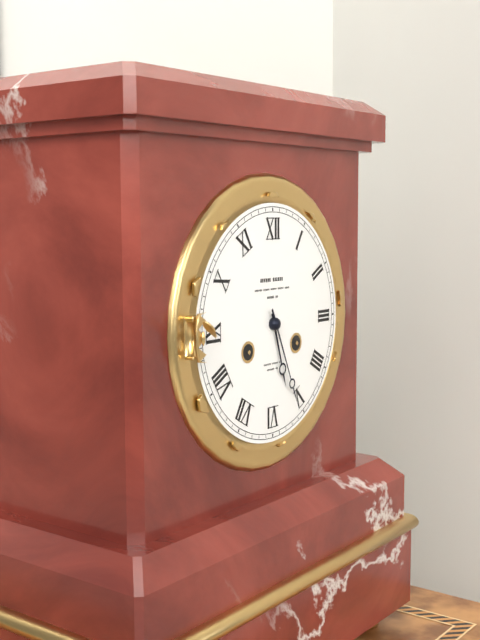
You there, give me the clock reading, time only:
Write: 5:26
